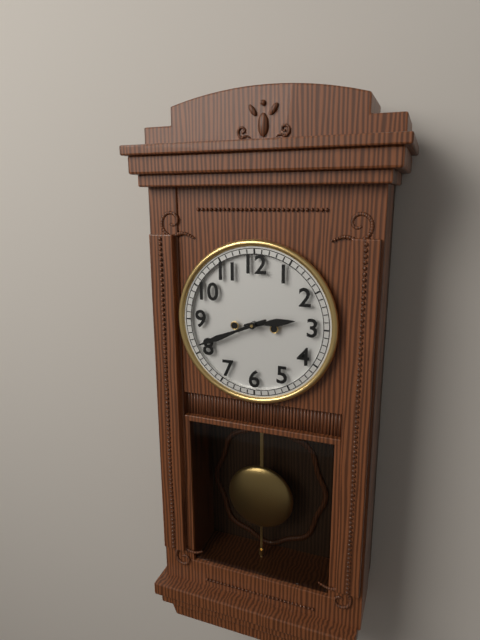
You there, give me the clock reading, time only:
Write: 2:41
